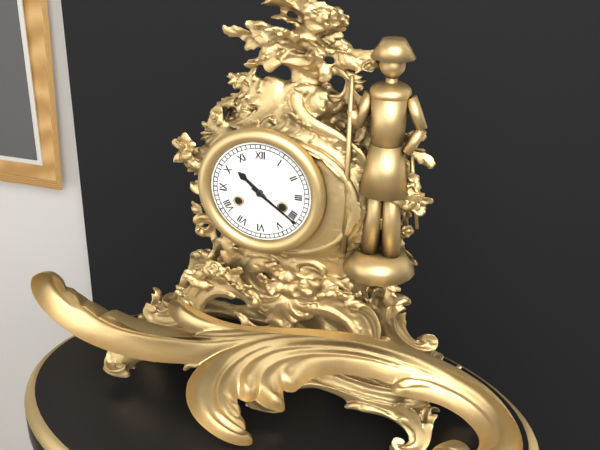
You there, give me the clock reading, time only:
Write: 10:21
